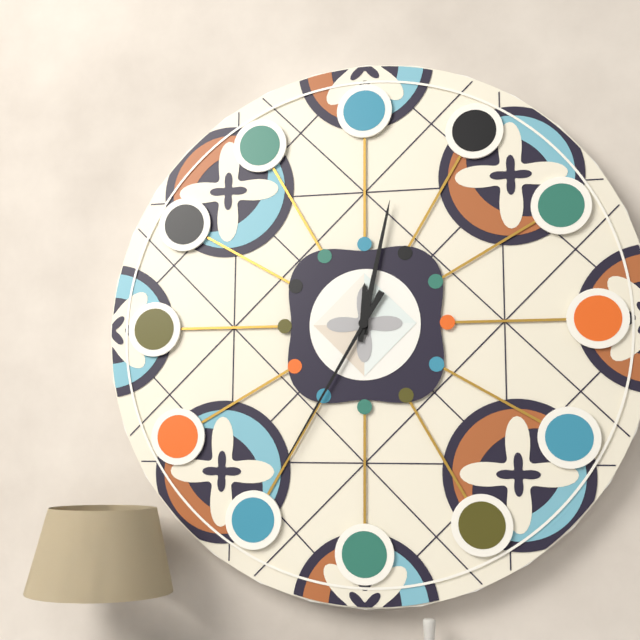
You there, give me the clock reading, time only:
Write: 12:02:35
